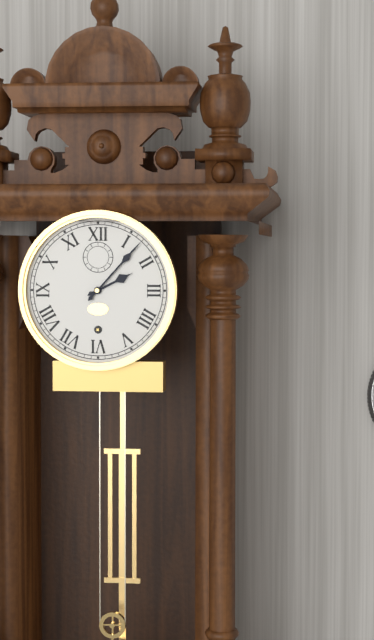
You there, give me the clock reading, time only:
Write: 2:07
